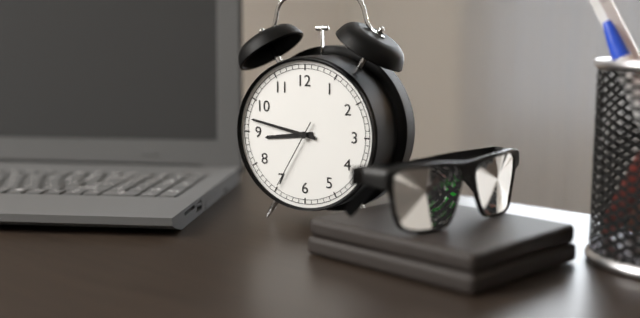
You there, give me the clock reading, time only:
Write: 8:47:35
